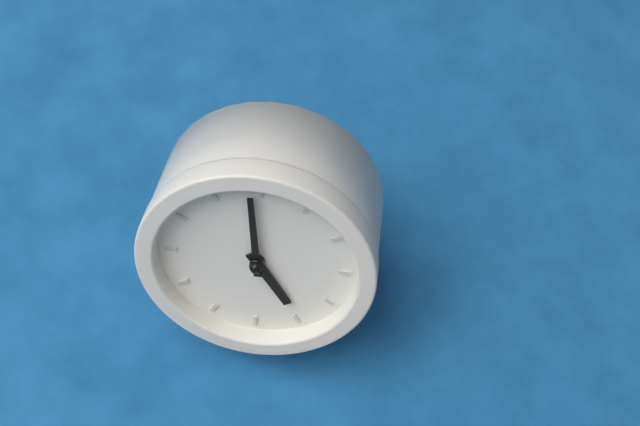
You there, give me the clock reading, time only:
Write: 3:54
